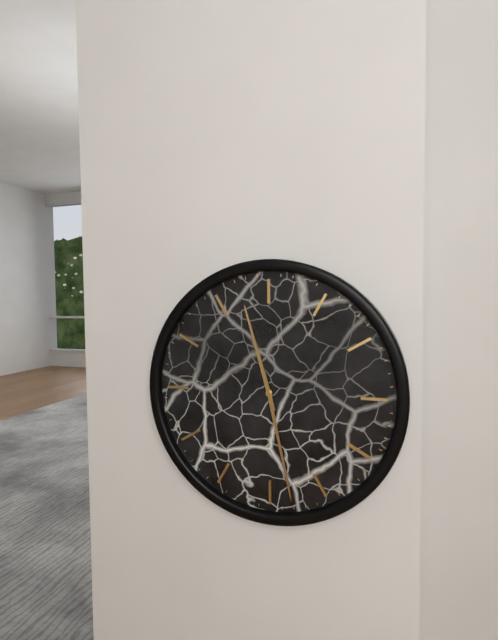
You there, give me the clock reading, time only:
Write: 11:28
